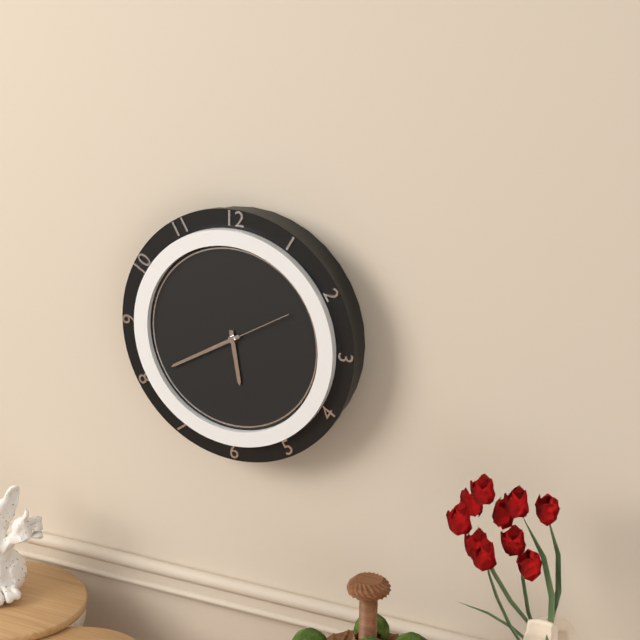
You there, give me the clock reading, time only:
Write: 5:40:10
